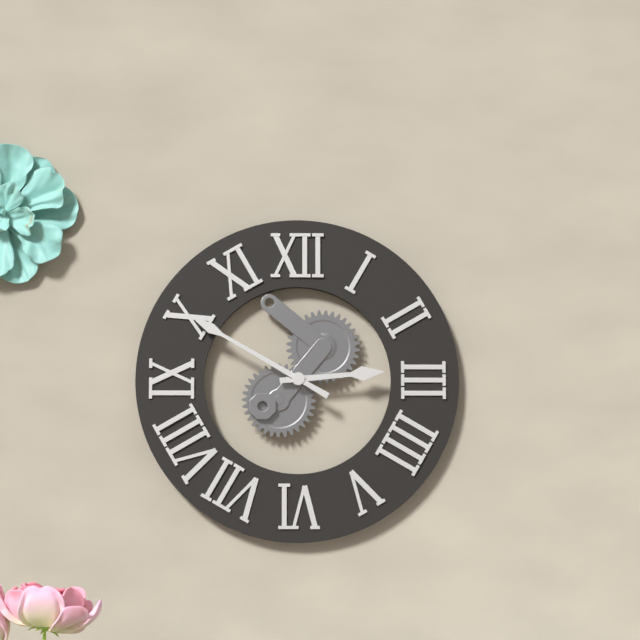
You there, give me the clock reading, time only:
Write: 2:50
